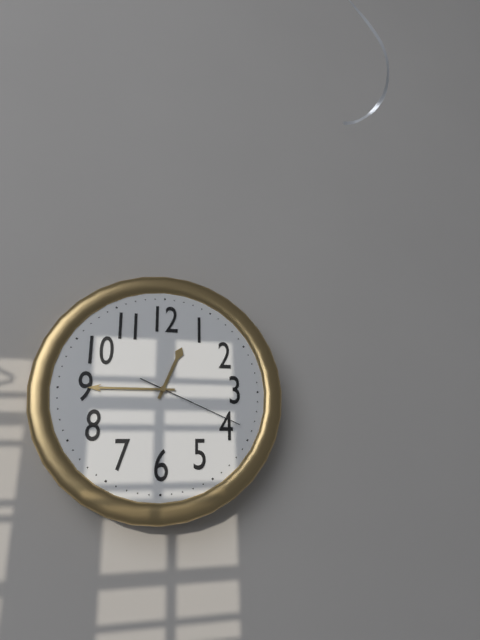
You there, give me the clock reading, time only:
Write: 12:45:19
